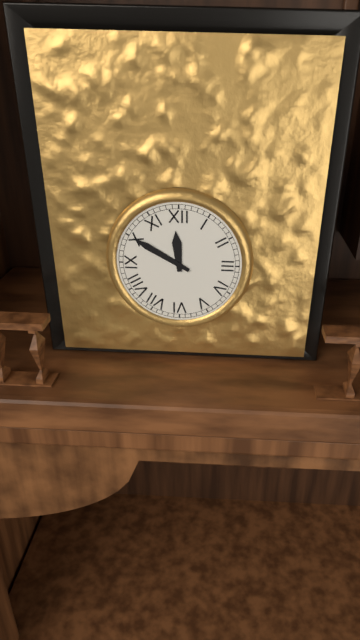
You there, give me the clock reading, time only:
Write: 11:50
